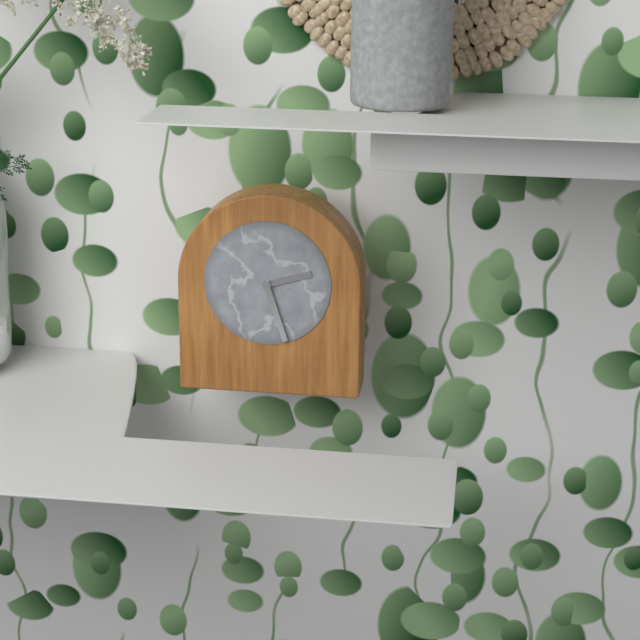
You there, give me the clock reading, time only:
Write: 2:27
